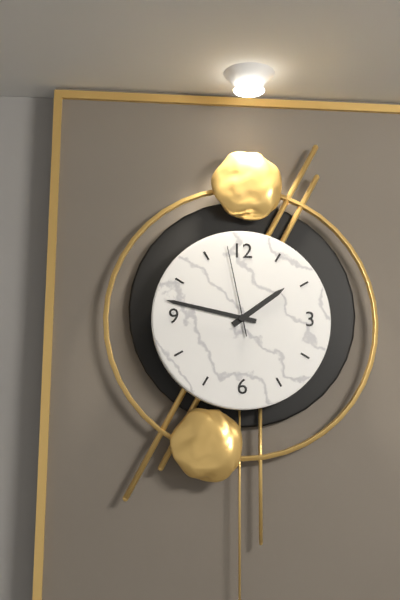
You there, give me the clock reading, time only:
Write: 1:47:58
